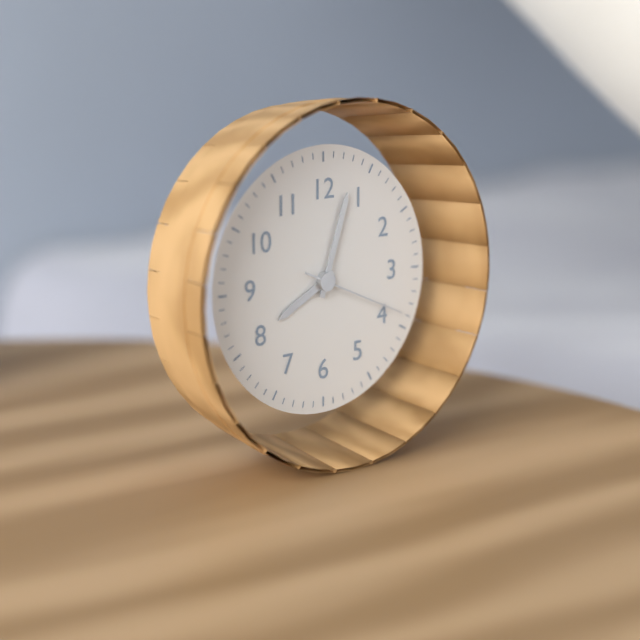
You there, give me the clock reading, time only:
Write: 8:03:19
